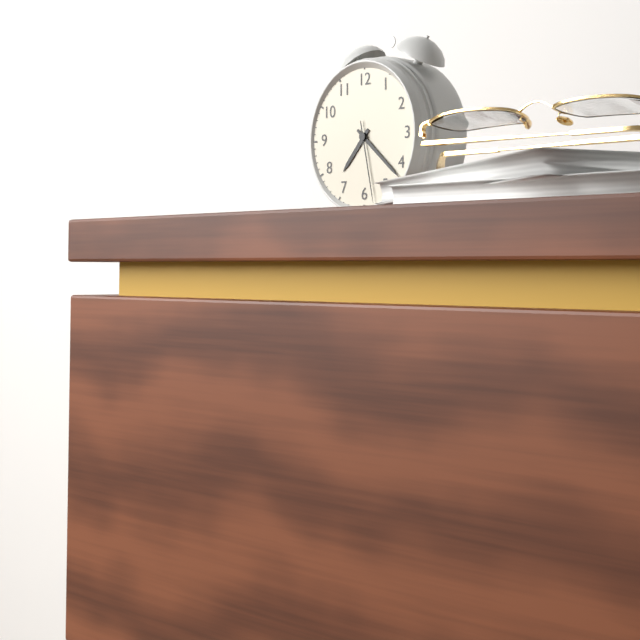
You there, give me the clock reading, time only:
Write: 7:22:28
